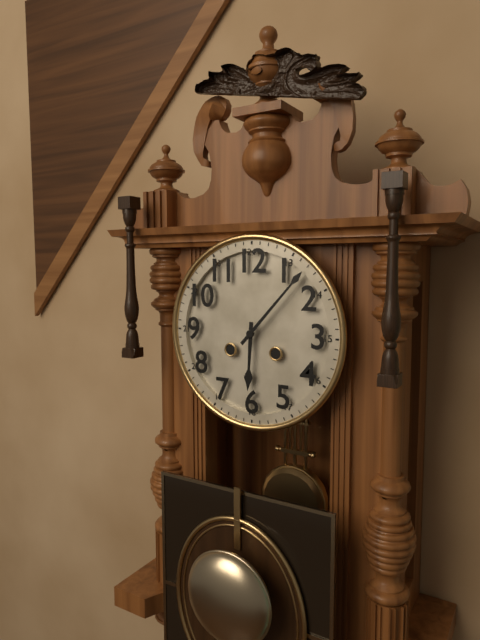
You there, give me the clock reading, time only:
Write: 6:07
